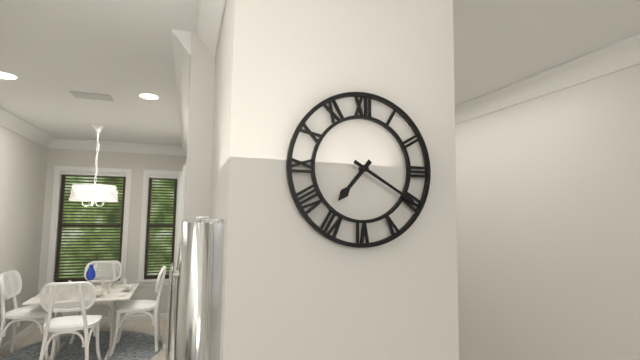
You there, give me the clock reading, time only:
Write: 7:20
